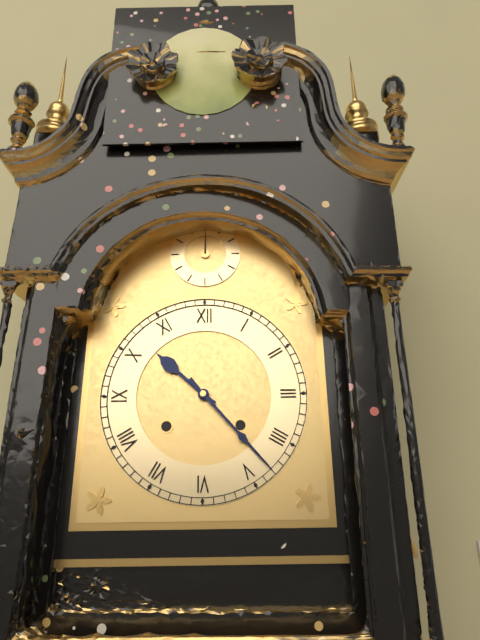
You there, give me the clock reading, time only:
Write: 10:23
